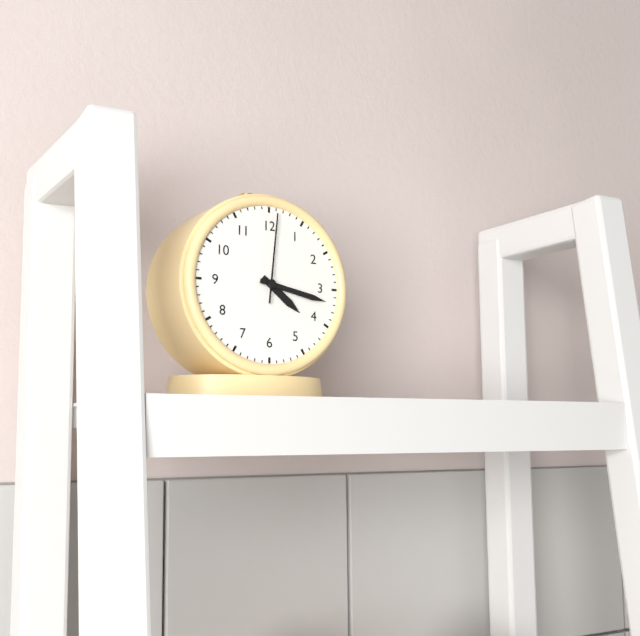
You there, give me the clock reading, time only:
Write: 4:17:01
